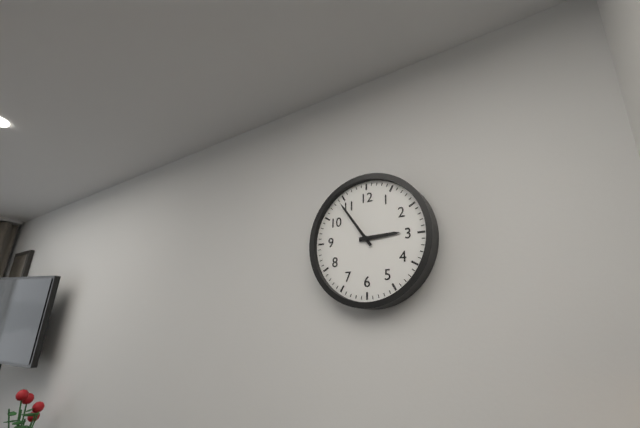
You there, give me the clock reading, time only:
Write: 2:54
